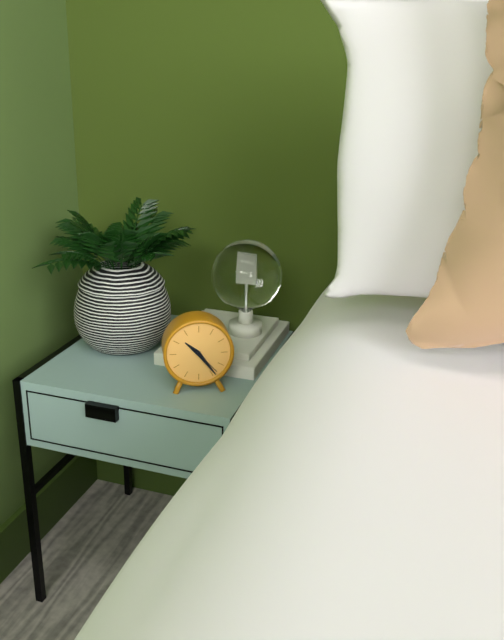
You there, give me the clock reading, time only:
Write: 10:24
